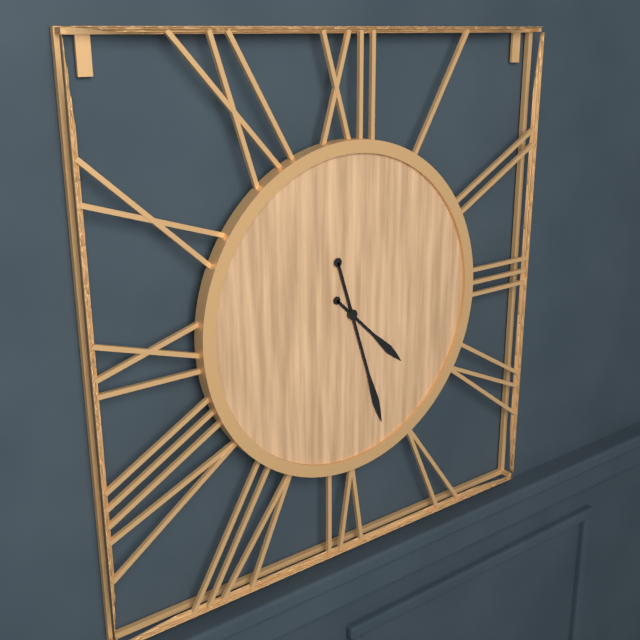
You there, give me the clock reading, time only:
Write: 4:27
